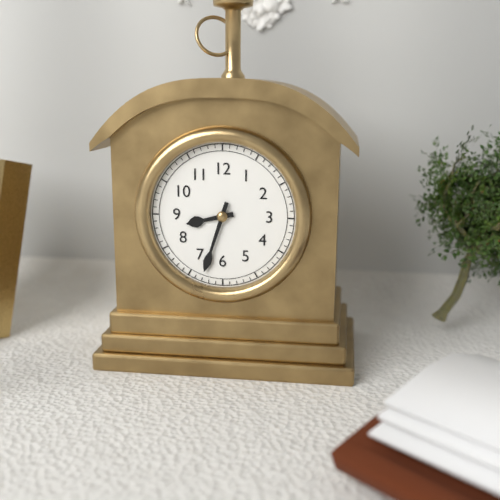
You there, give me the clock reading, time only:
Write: 8:33
